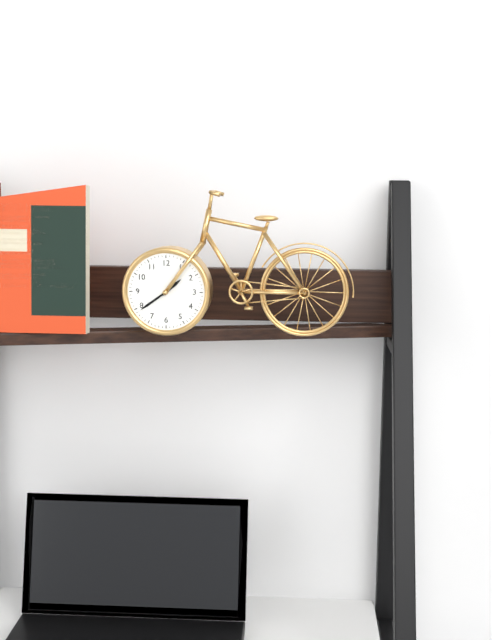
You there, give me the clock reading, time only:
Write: 1:39
